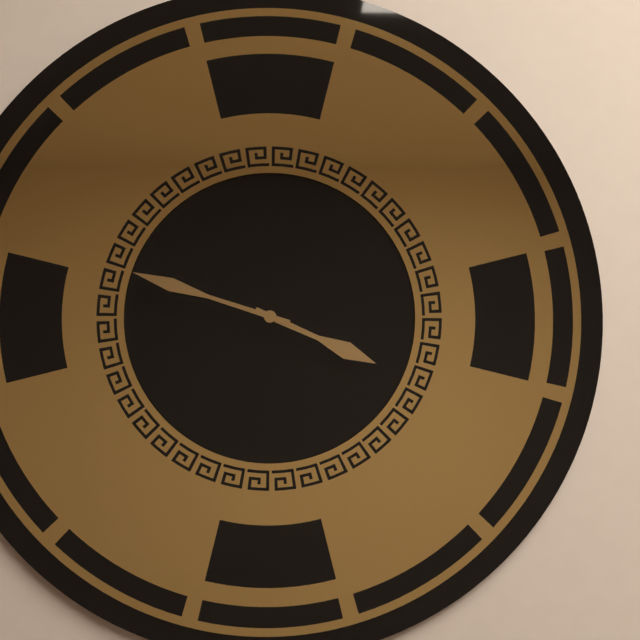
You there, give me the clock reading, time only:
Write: 3:48
